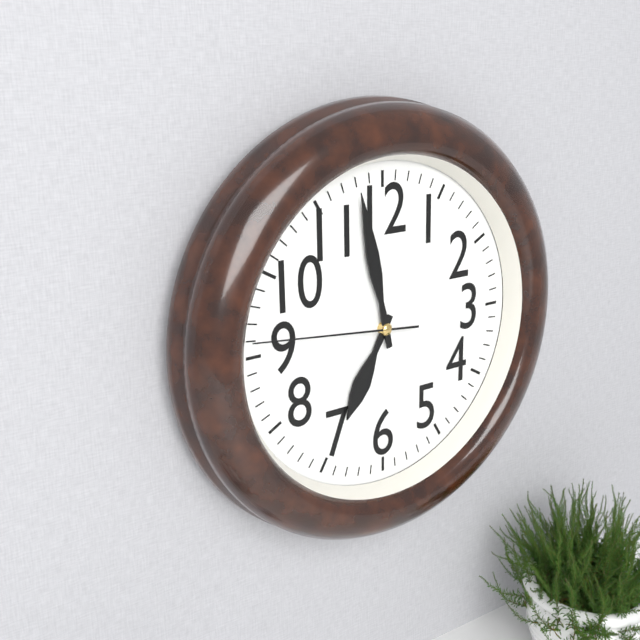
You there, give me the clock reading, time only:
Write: 6:58:46
